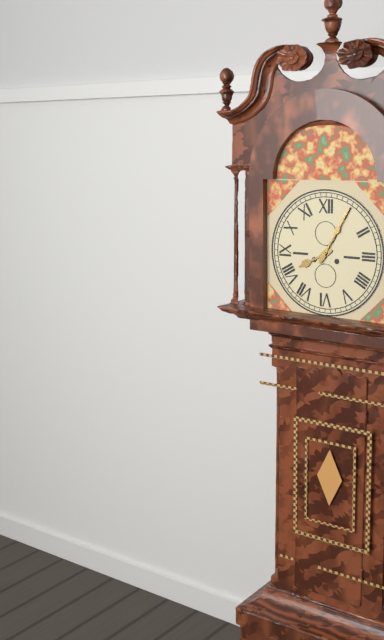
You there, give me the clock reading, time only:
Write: 8:05
